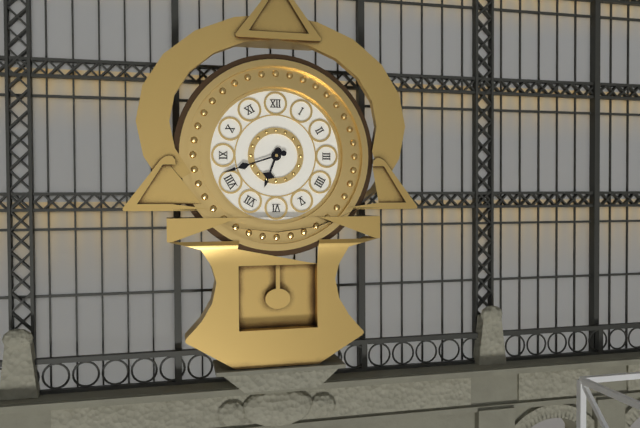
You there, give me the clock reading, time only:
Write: 6:42
